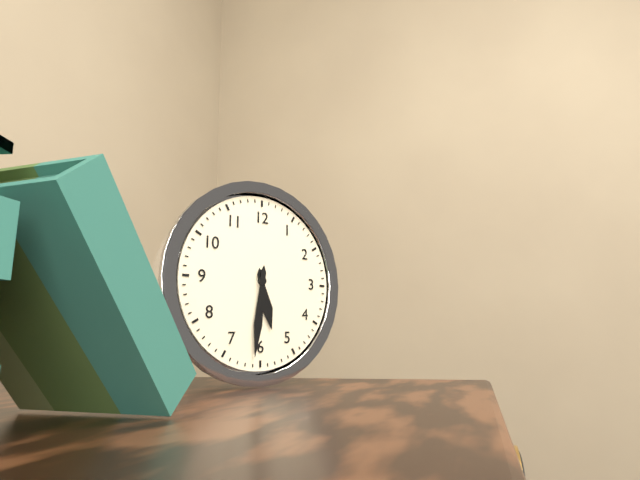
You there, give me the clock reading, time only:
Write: 5:31
